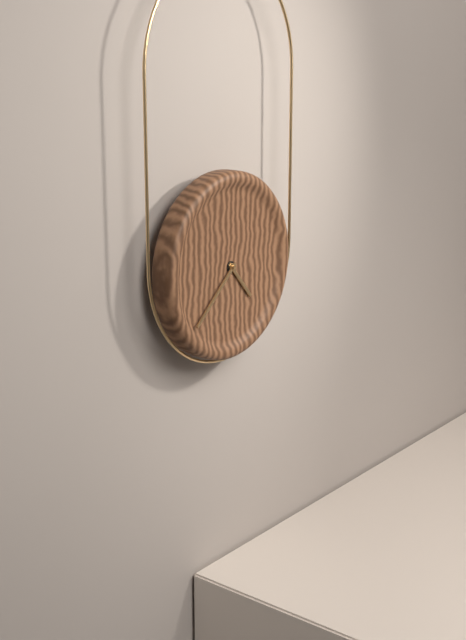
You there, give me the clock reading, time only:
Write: 4:38
